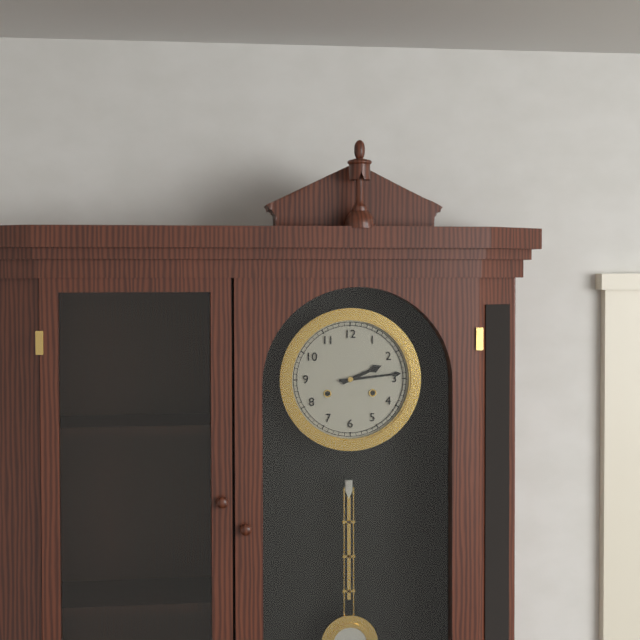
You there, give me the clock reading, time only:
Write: 2:14
